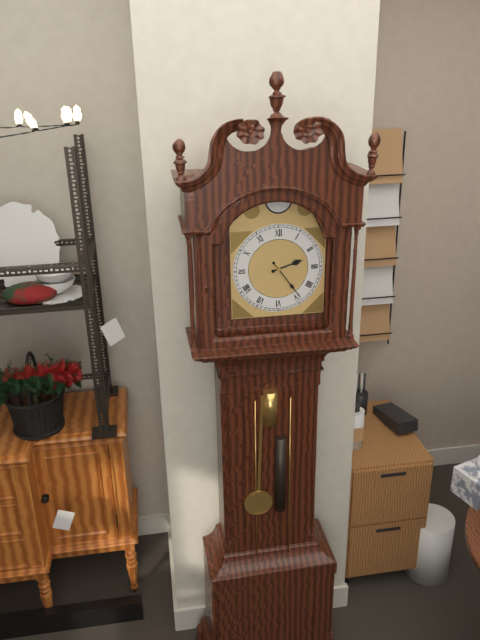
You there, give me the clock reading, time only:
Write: 2:24
